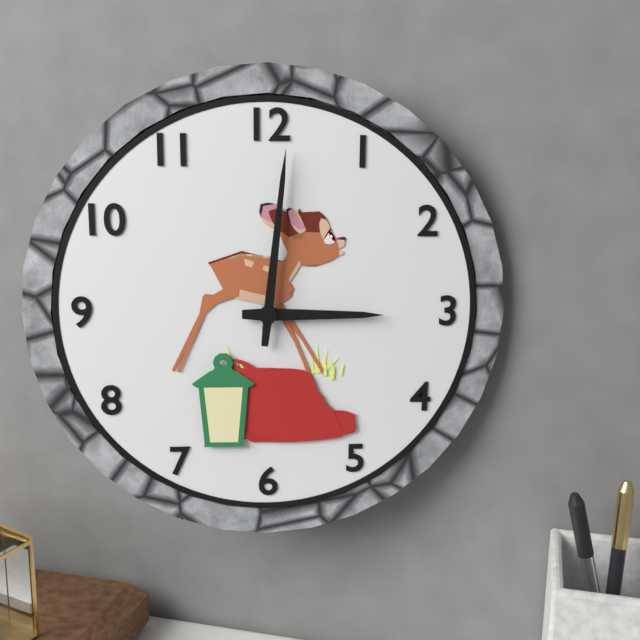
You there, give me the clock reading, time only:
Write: 3:01
